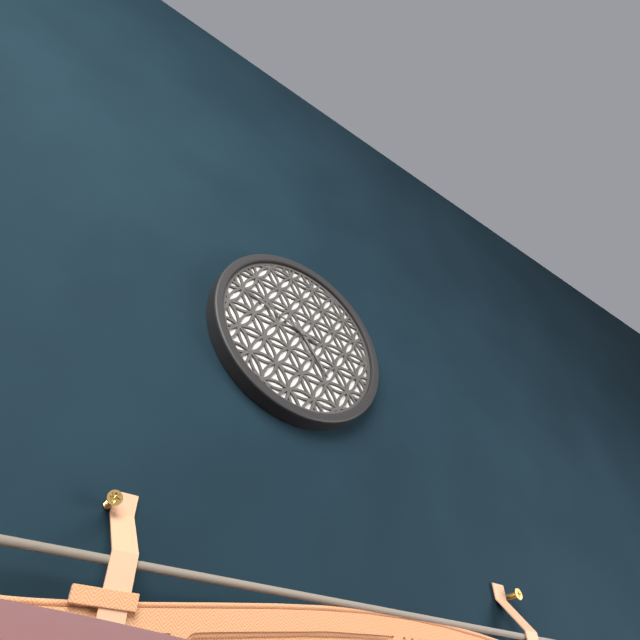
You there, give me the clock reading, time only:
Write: 4:48
